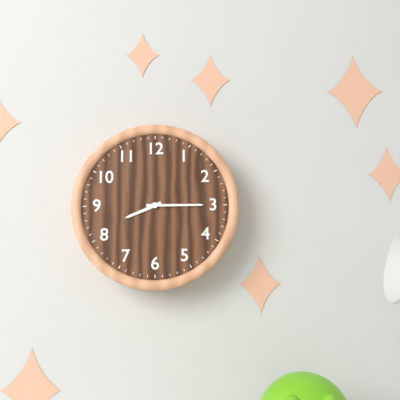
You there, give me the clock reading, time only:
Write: 8:15
